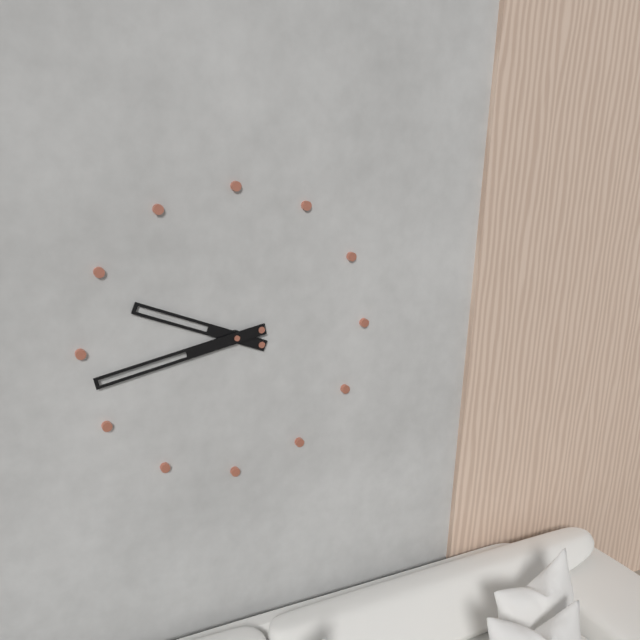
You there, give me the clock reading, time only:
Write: 9:43
